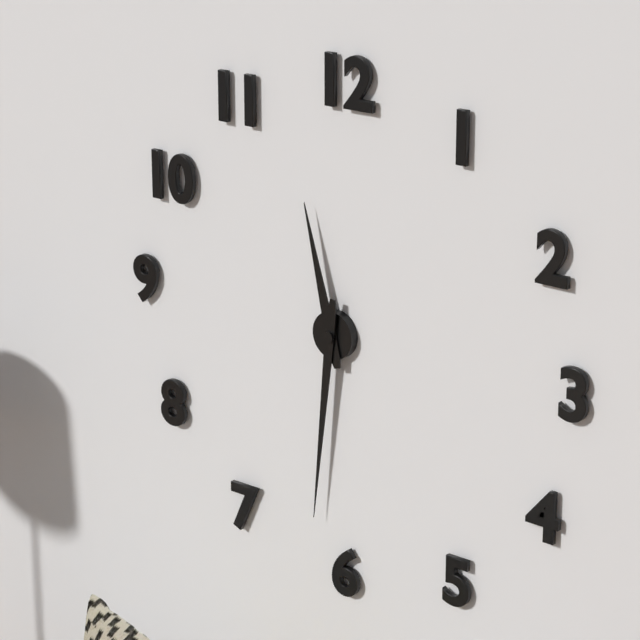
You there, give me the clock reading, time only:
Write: 11:31
